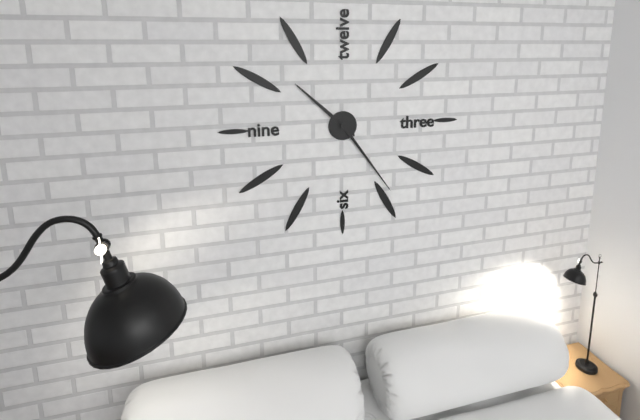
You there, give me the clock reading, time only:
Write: 10:24
